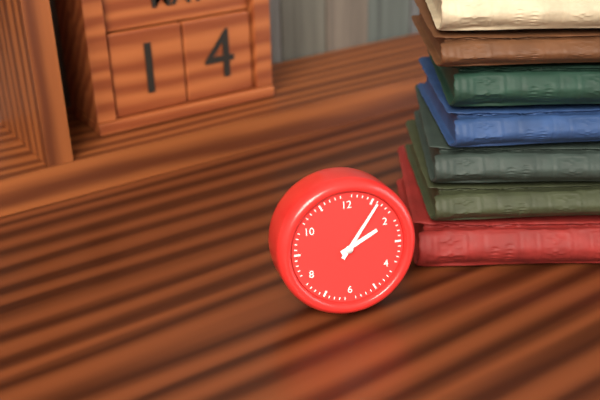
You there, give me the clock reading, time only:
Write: 2:06
